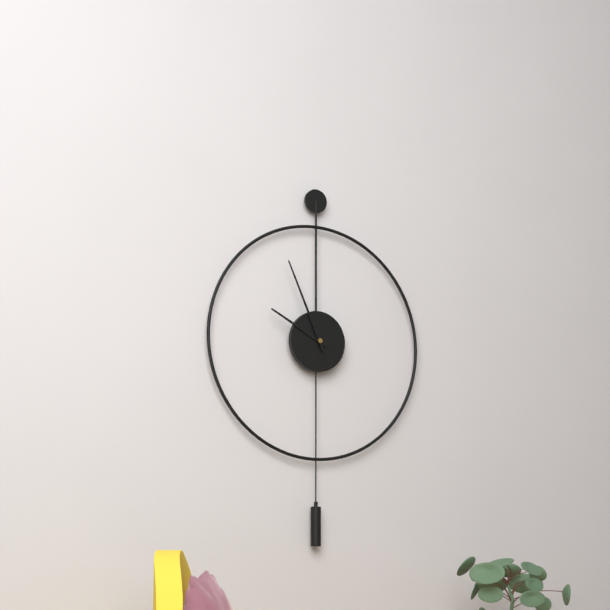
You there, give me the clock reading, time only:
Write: 9:56
